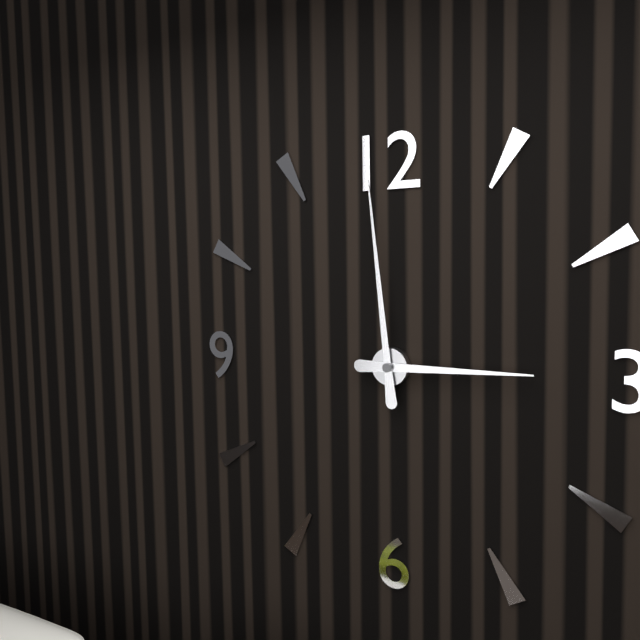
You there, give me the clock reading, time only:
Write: 2:59
